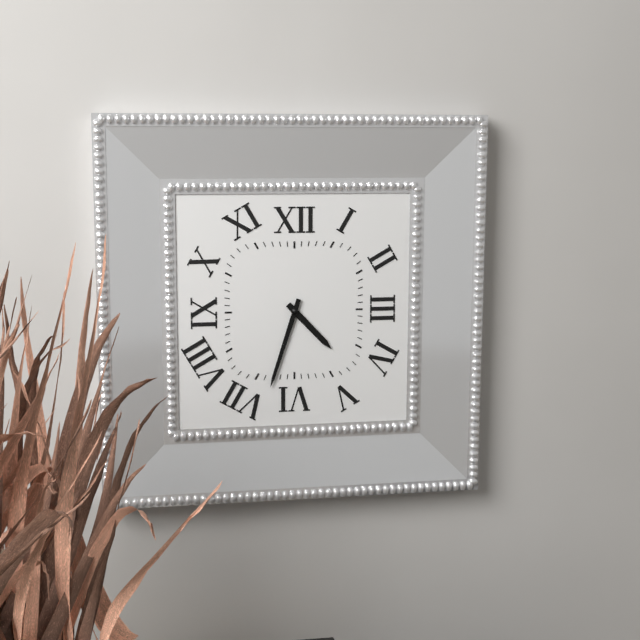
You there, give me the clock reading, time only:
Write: 4:33
